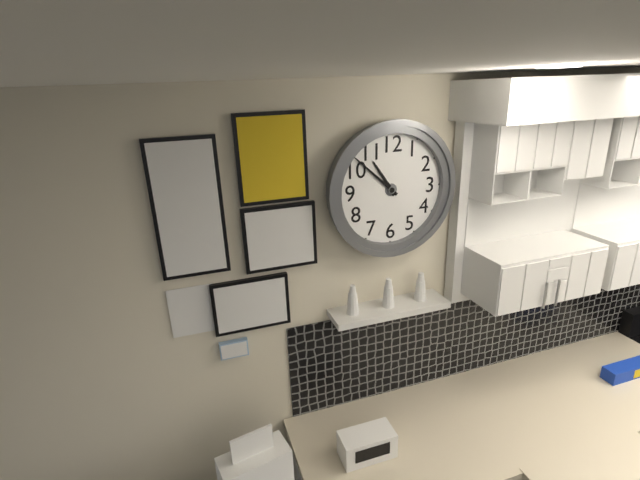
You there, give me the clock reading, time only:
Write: 10:52
